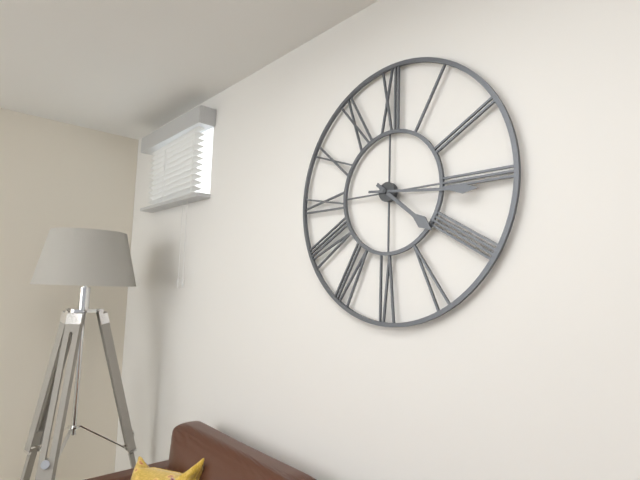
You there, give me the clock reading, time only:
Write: 4:16
